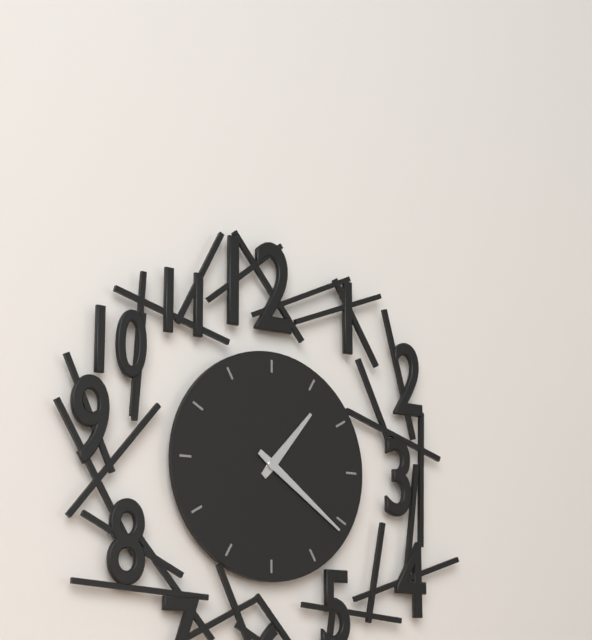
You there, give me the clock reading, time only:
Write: 1:21
